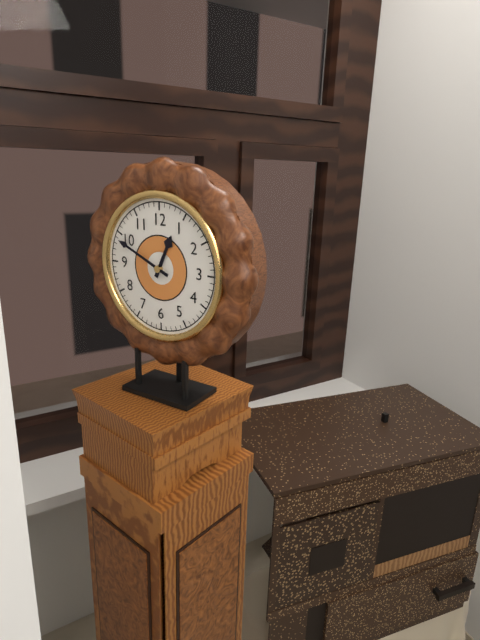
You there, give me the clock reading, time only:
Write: 12:49
